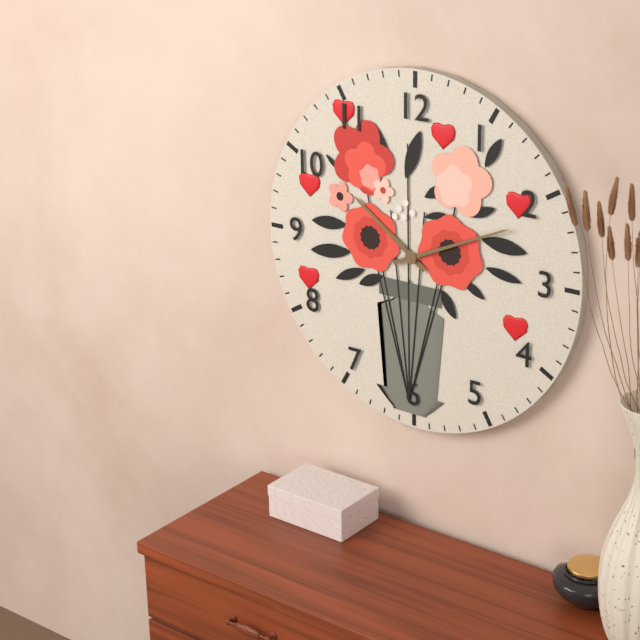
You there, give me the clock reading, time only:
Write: 10:11
